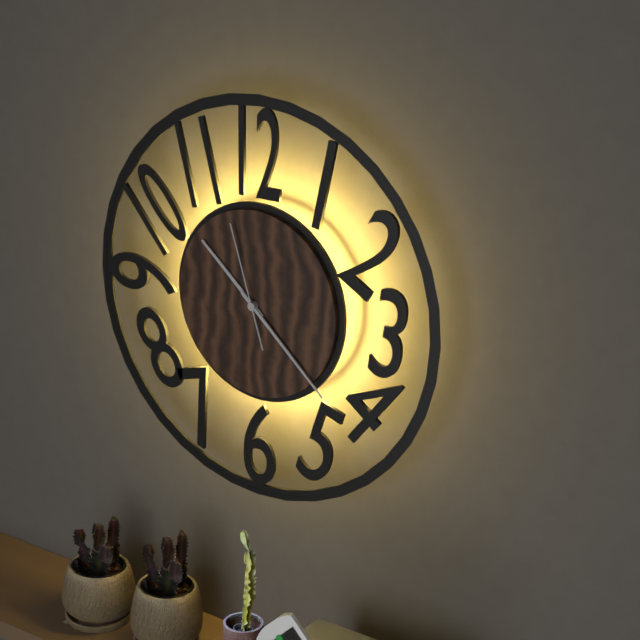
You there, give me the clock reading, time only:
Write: 10:22:57
